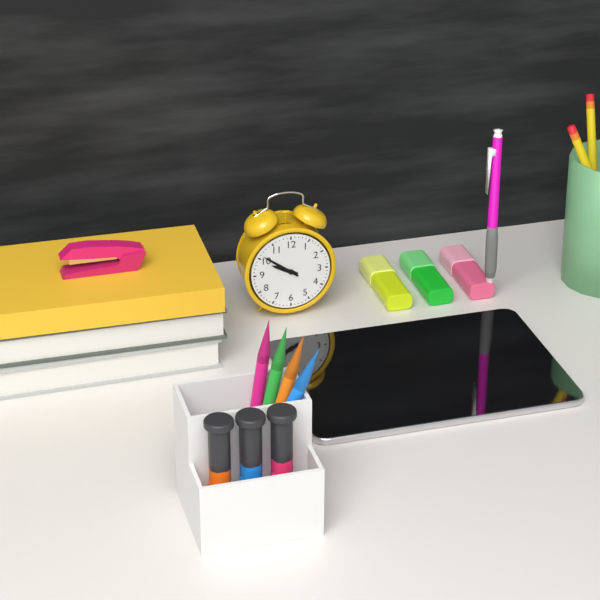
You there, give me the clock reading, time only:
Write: 9:51
